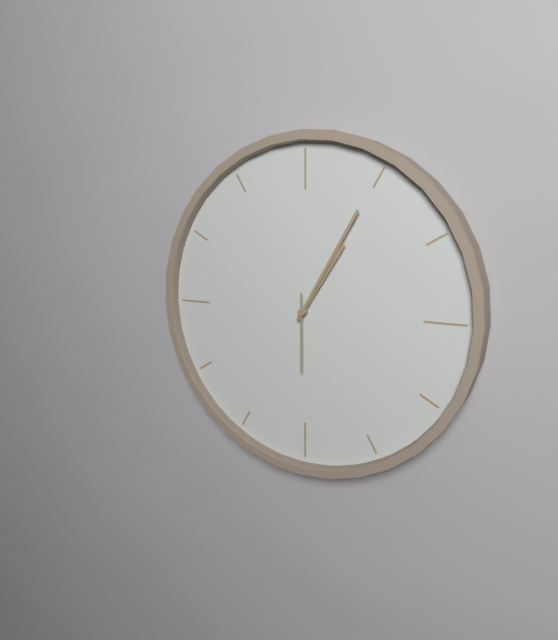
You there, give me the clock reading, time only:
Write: 1:05:30
